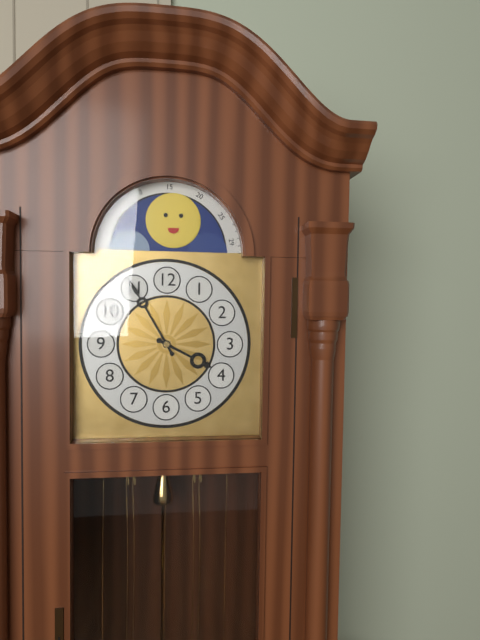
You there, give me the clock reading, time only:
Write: 3:55
